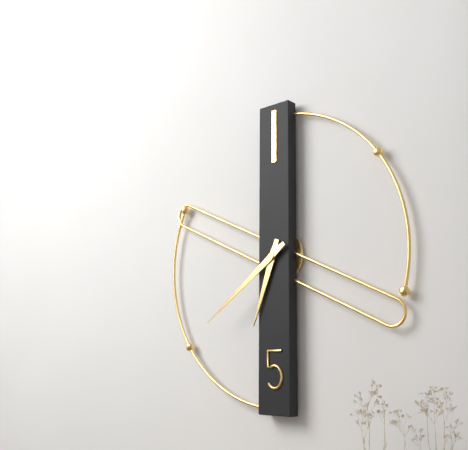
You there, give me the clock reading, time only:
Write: 6:39
